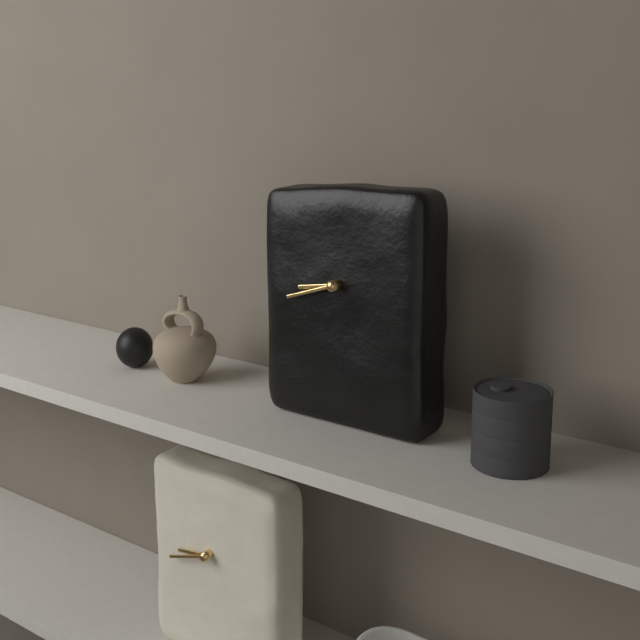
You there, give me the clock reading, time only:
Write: 8:42
